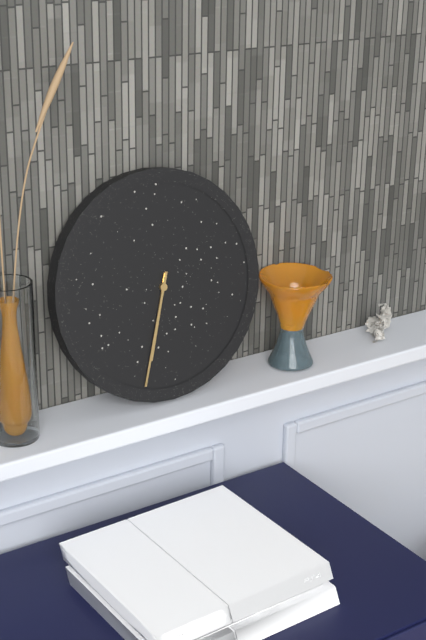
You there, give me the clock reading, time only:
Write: 6:33
